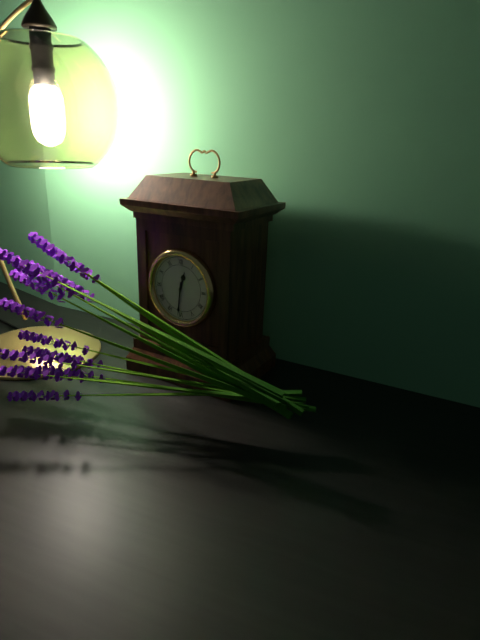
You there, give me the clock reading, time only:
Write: 12:31
